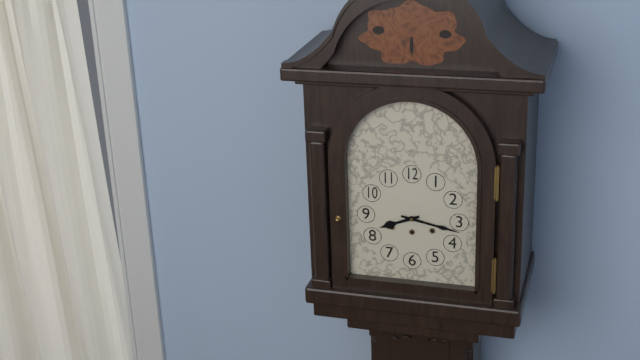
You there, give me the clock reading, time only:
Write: 8:17
